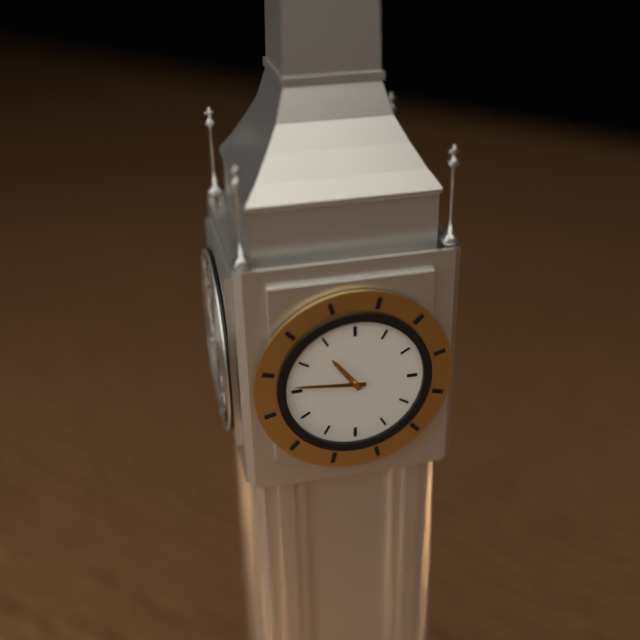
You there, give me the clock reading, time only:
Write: 10:46
